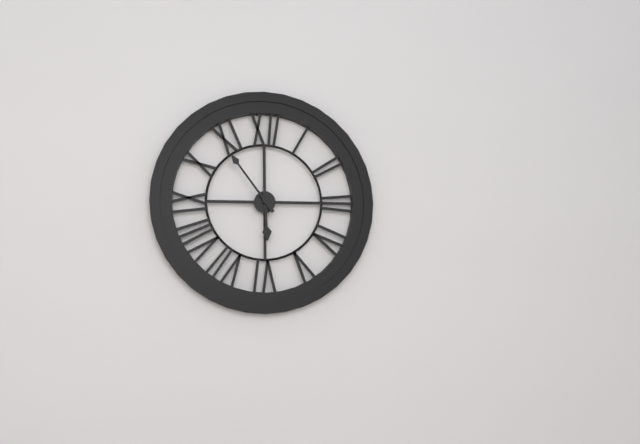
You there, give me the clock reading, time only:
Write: 5:54
